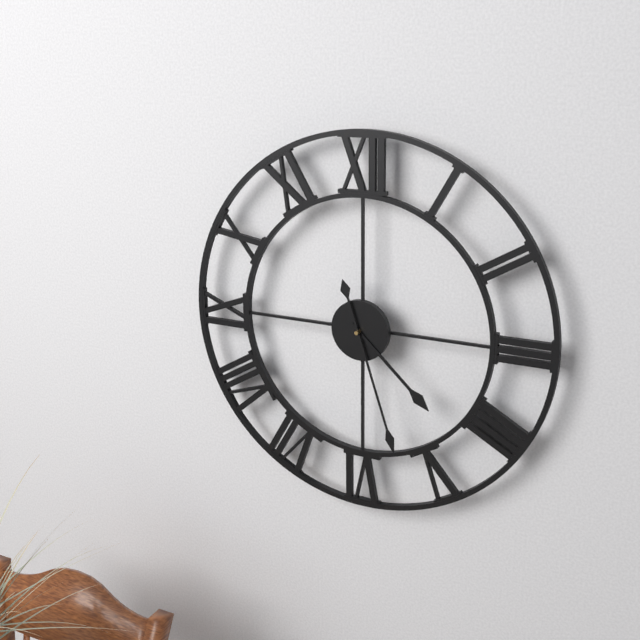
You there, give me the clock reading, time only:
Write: 4:27
